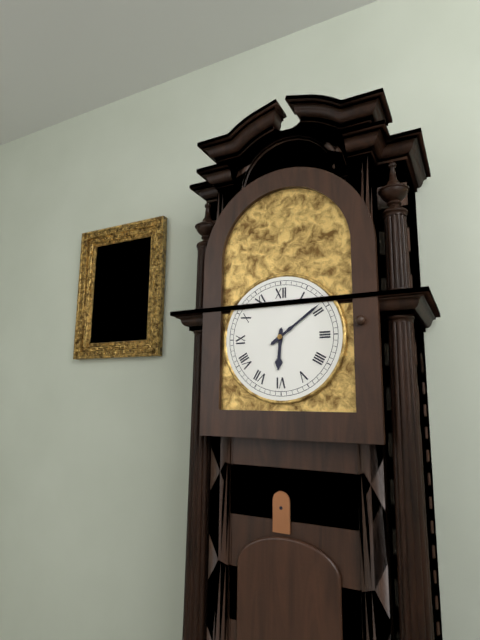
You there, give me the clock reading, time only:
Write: 6:09
